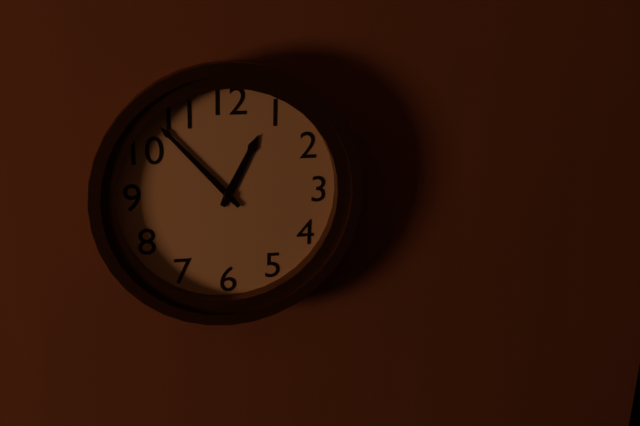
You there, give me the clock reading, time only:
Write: 12:53
